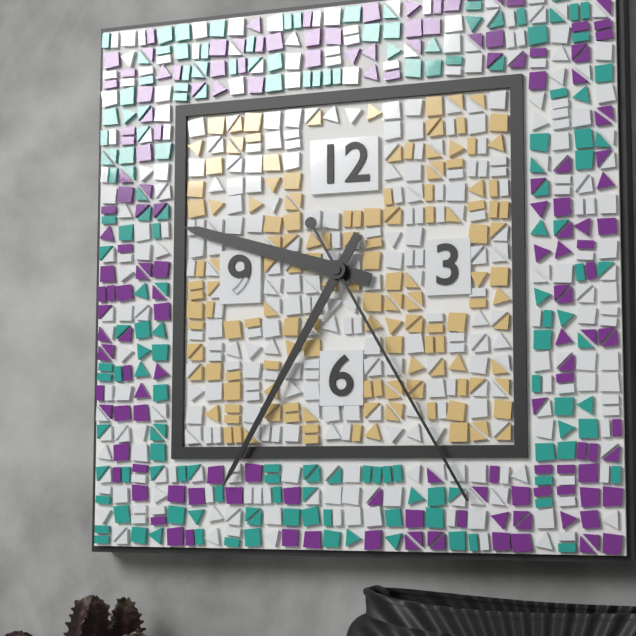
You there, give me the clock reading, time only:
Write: 9:35:25
